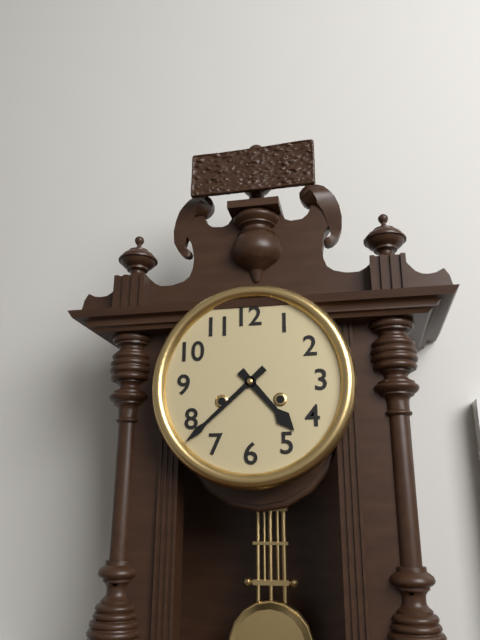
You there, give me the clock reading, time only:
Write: 4:38
